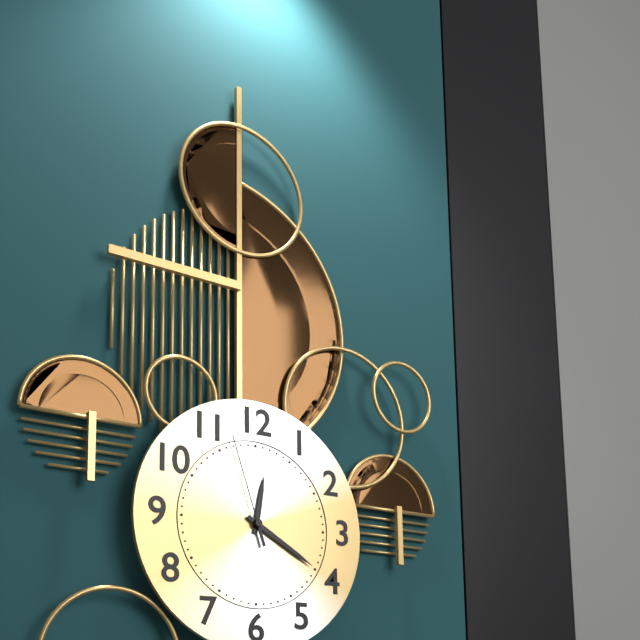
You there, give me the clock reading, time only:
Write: 12:20:57
